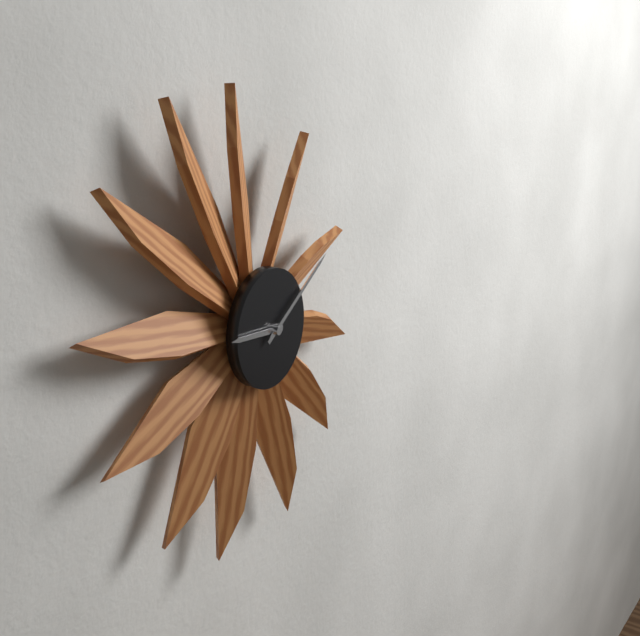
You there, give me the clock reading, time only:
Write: 9:09
